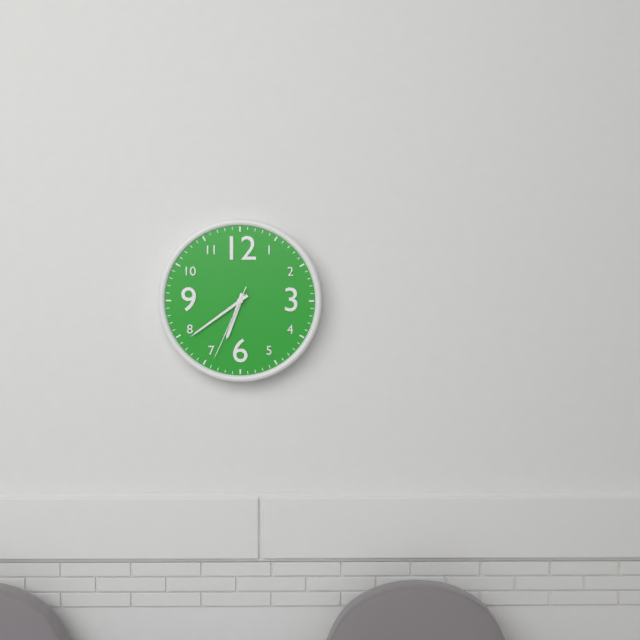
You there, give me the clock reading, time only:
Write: 6:39:34
